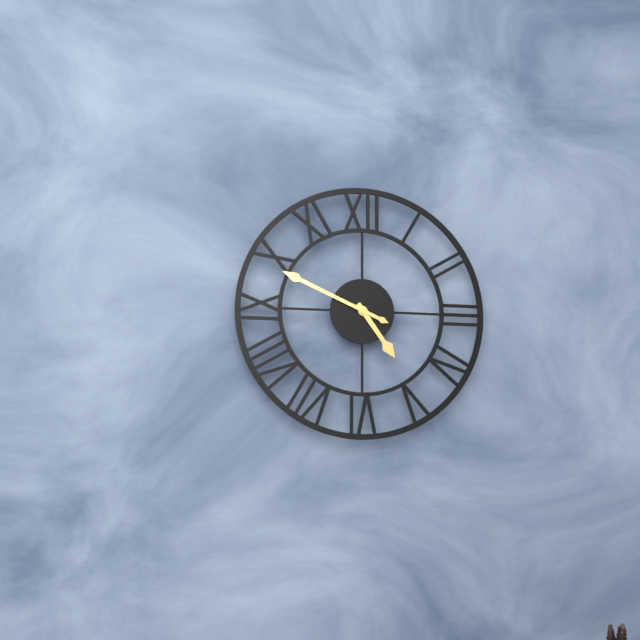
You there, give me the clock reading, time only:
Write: 4:49
